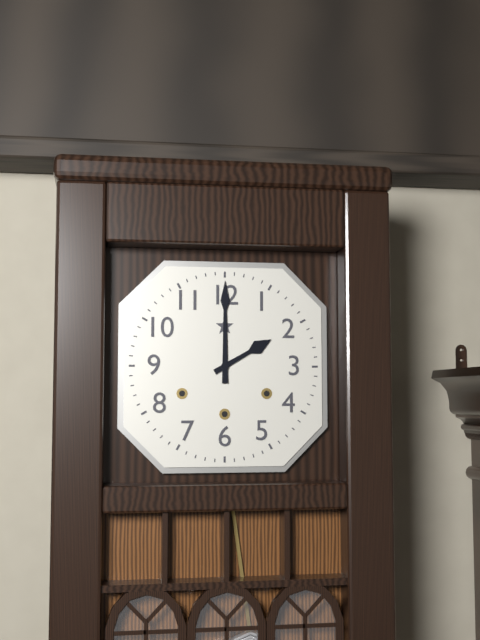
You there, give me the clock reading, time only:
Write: 2:00
